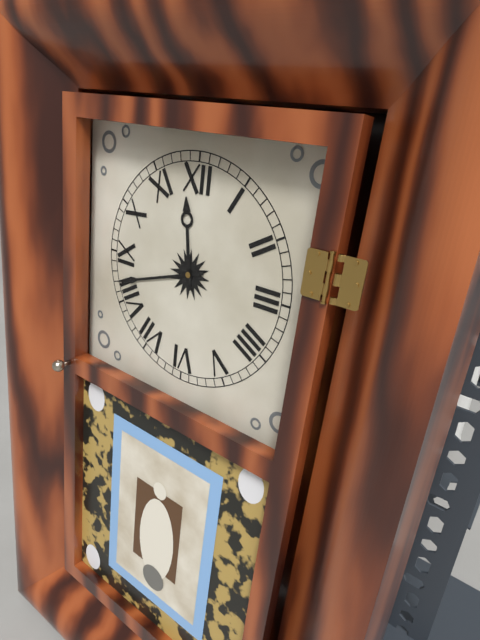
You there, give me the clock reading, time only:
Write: 11:42
